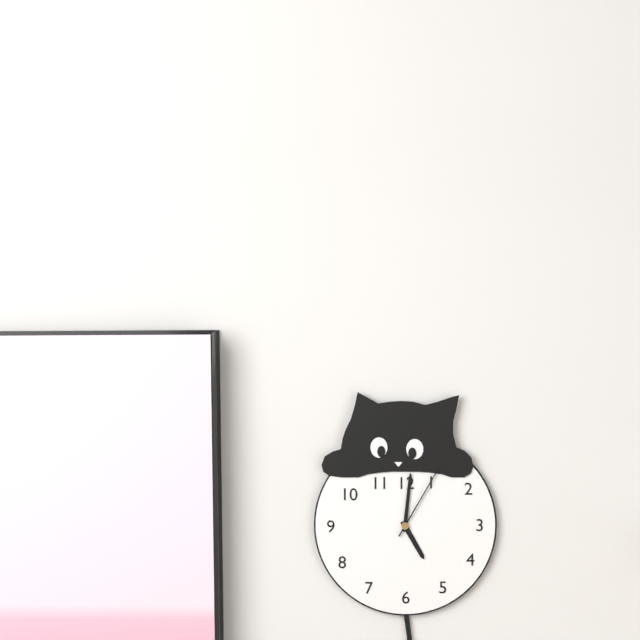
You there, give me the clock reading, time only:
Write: 5:01:05
